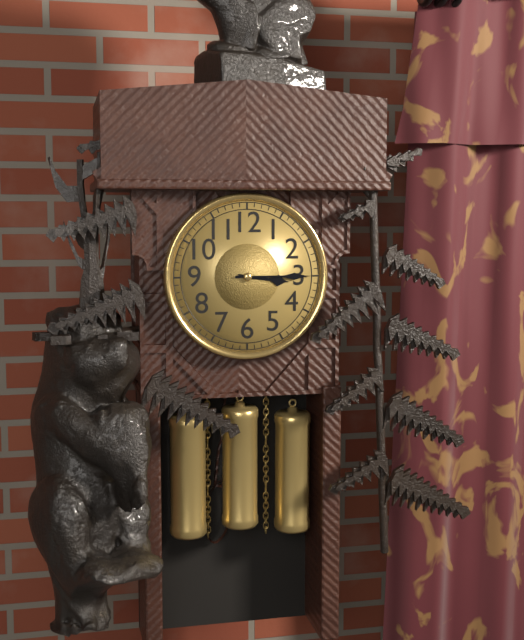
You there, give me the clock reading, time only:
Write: 3:15
